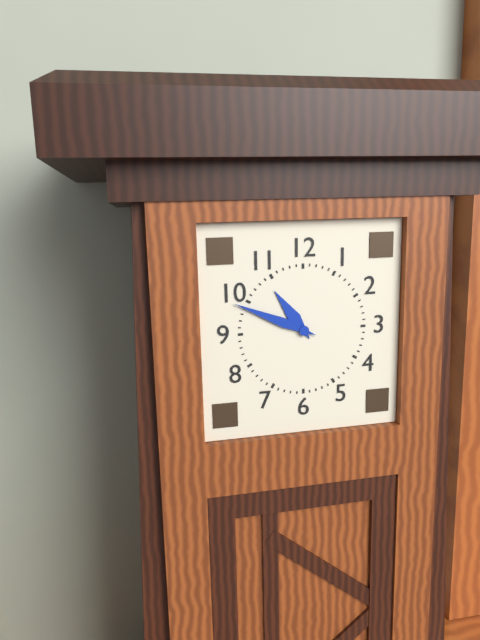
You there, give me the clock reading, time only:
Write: 10:49
